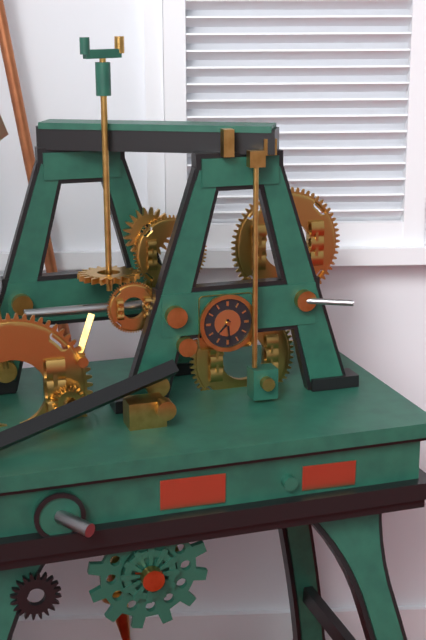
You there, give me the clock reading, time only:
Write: 7:29
